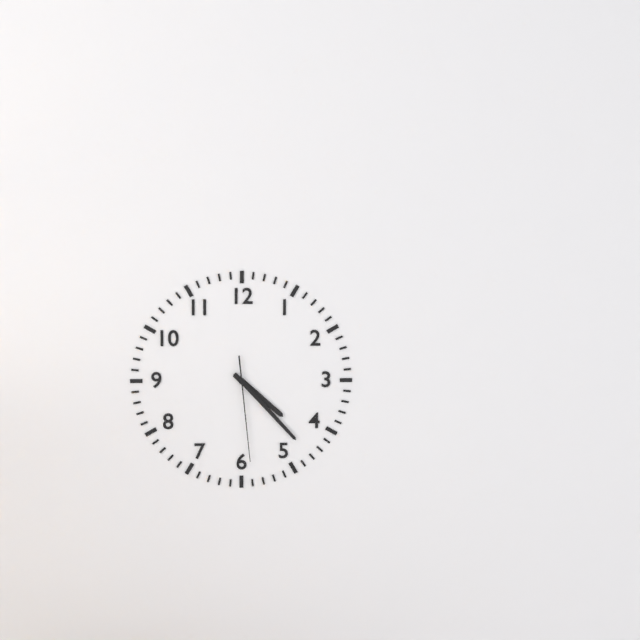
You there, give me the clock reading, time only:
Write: 4:23:29
